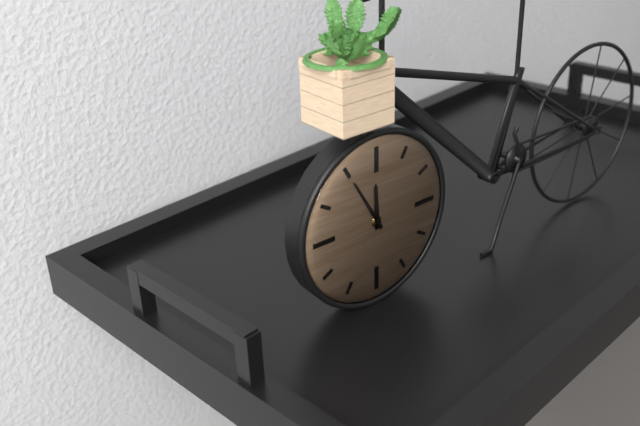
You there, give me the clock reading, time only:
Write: 11:55
